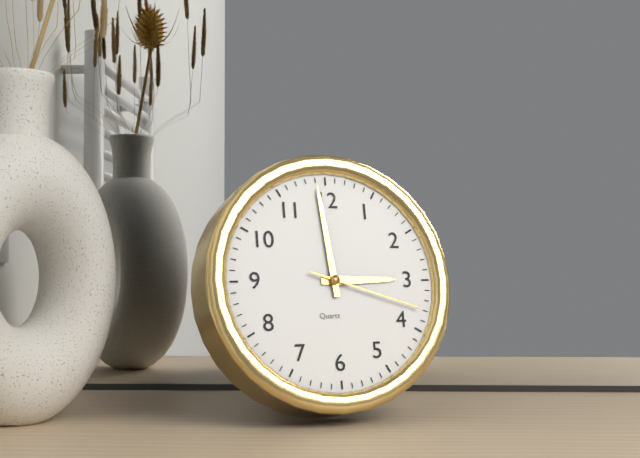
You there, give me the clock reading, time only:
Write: 2:59:18
